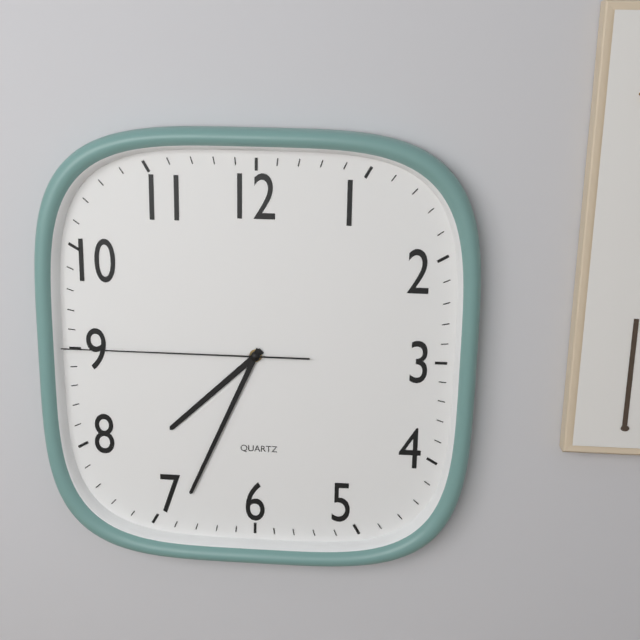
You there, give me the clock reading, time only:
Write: 7:34:45
